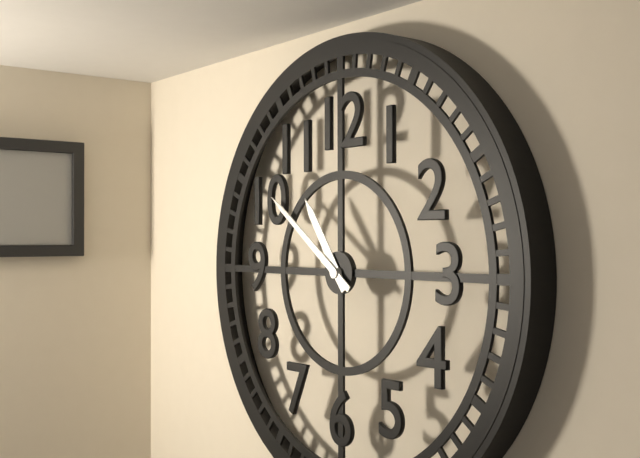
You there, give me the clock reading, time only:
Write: 10:51
